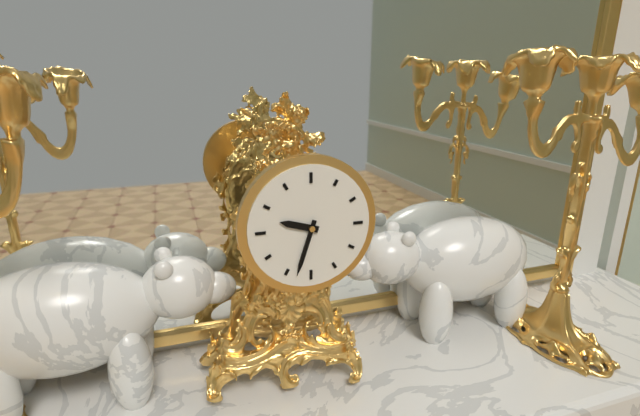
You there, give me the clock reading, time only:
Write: 9:33
